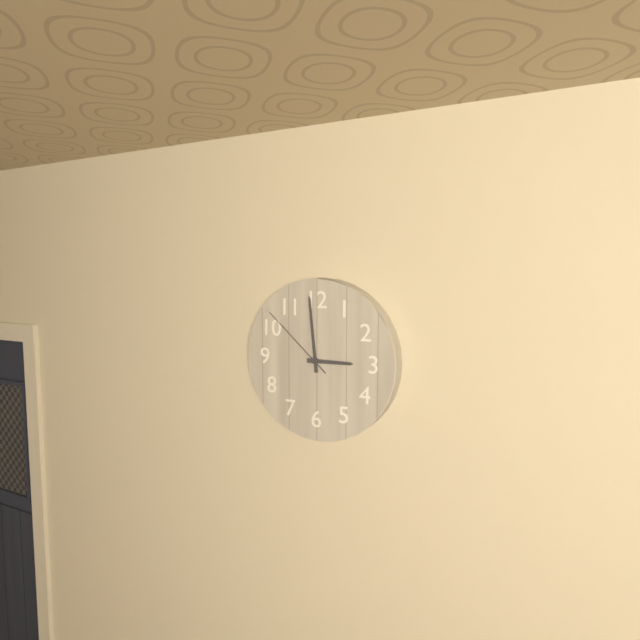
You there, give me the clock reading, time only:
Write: 2:59:52
